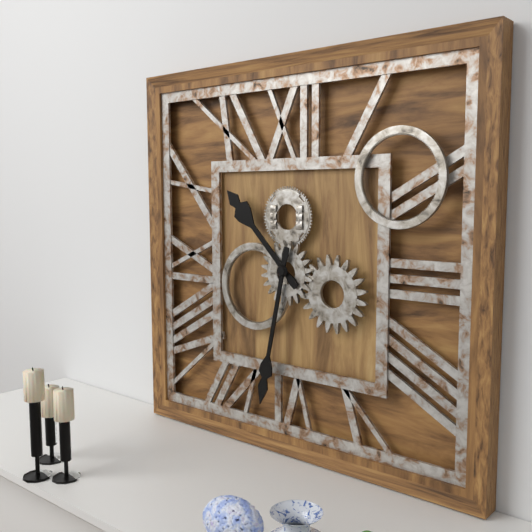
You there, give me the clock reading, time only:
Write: 10:32
